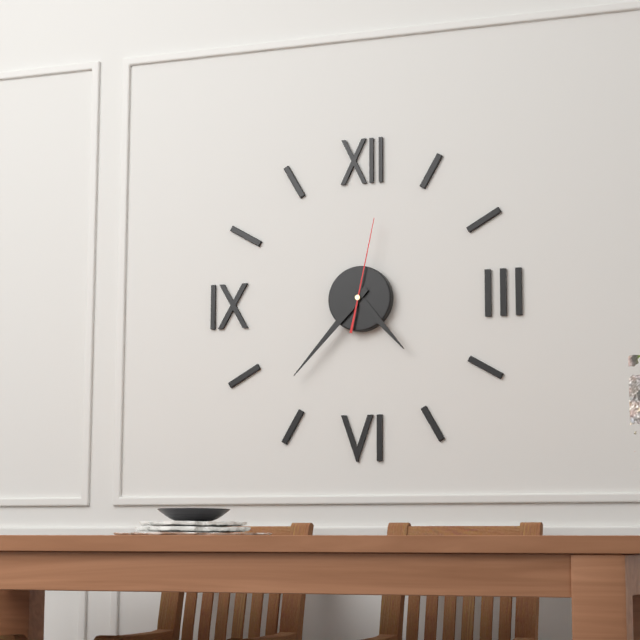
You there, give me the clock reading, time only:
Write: 4:37:02
